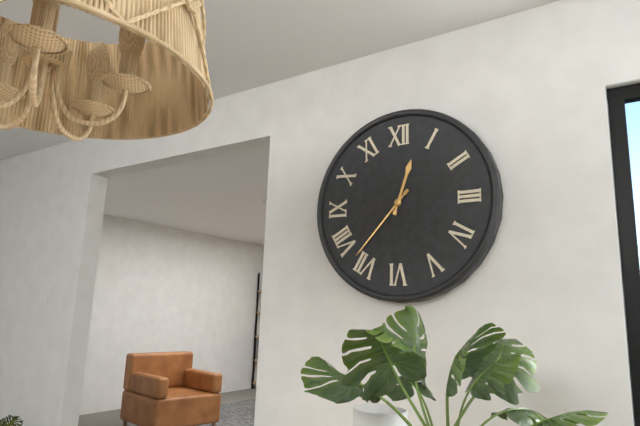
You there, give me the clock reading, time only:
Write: 12:37
